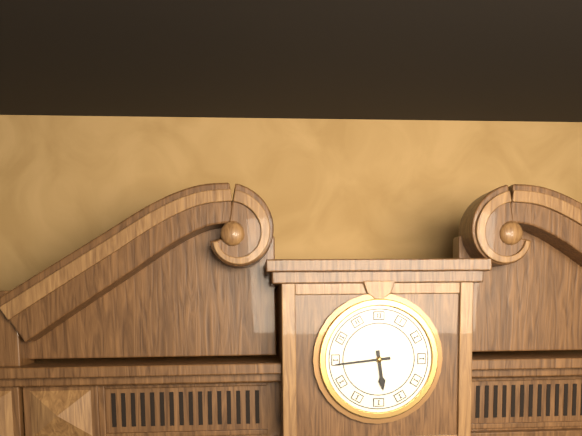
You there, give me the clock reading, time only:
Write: 5:44
